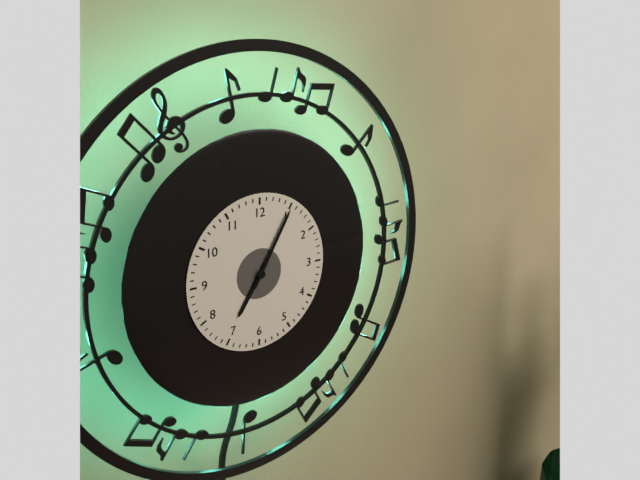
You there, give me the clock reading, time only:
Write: 7:05
